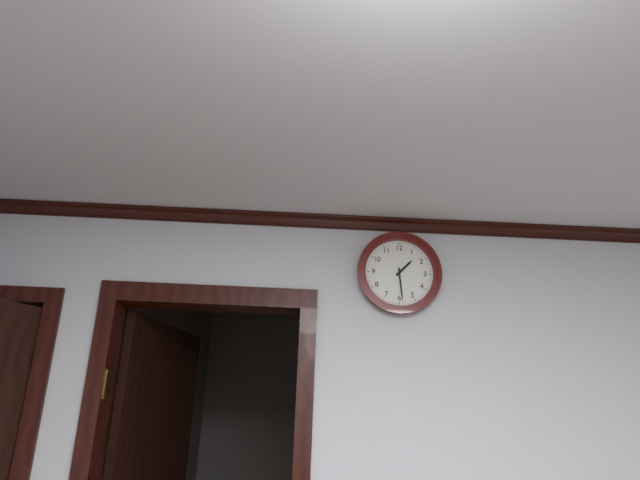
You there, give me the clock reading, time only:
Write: 1:29
